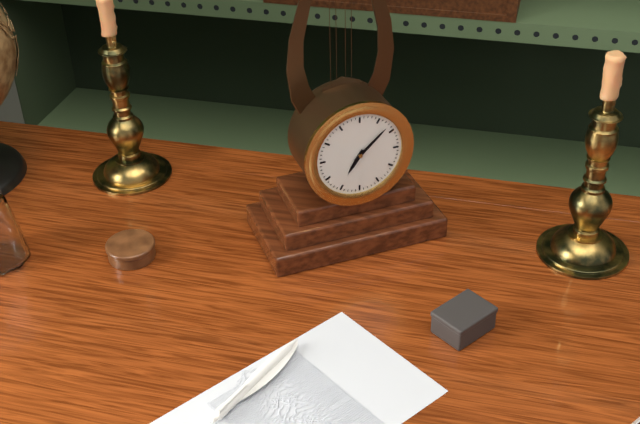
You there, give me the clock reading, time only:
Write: 7:08
